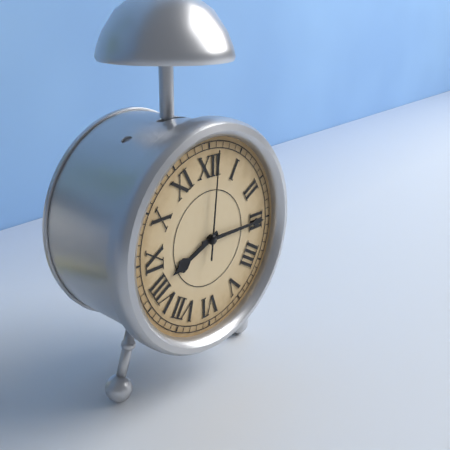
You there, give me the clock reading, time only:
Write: 8:15:01
